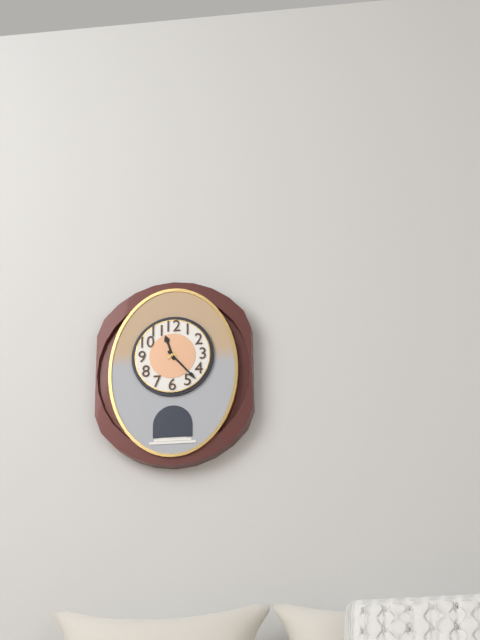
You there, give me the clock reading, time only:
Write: 11:23
